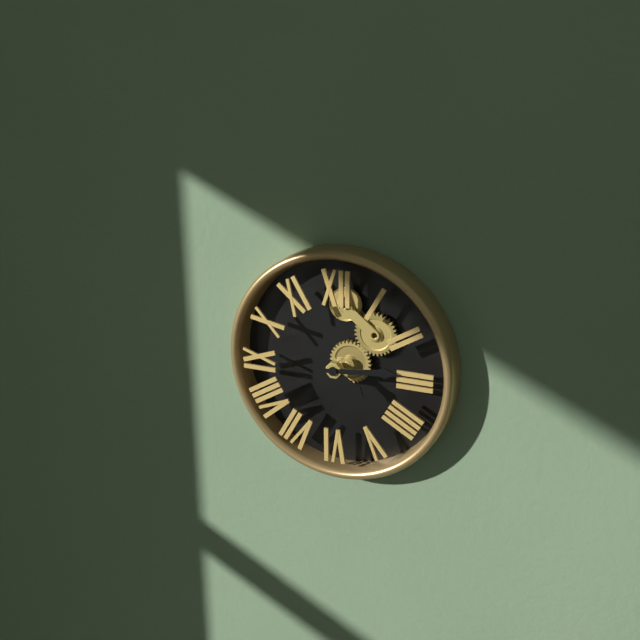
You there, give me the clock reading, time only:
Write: 4:14
